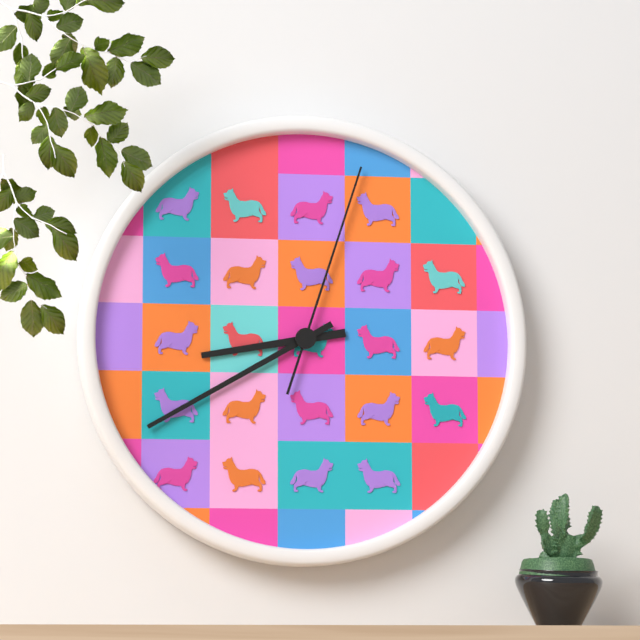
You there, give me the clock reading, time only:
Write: 8:40:03
